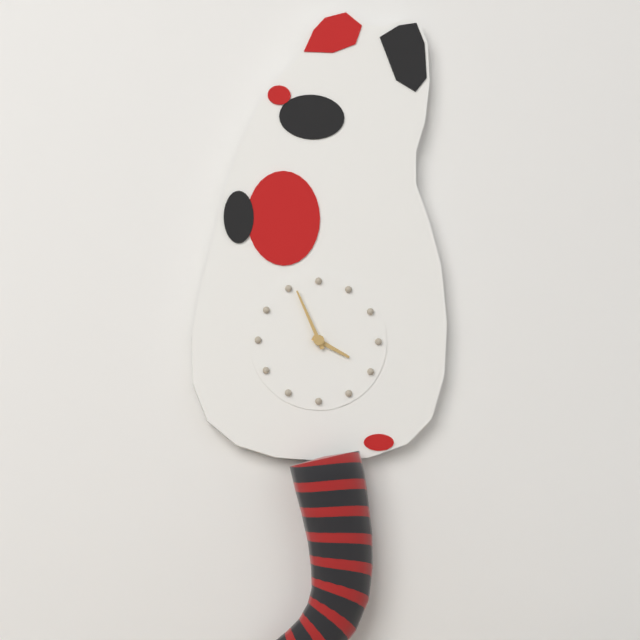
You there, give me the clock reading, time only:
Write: 3:56
